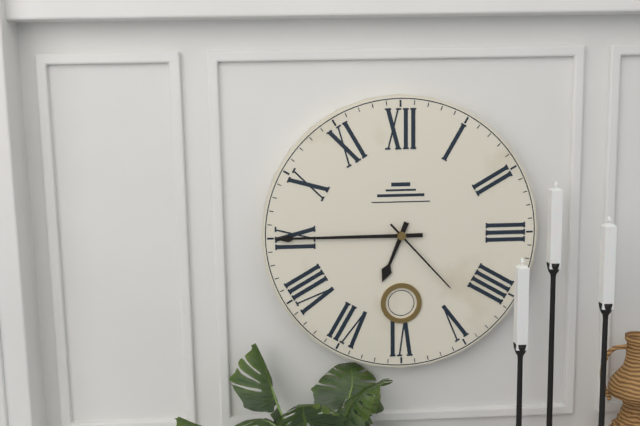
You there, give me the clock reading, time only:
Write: 6:45:23
